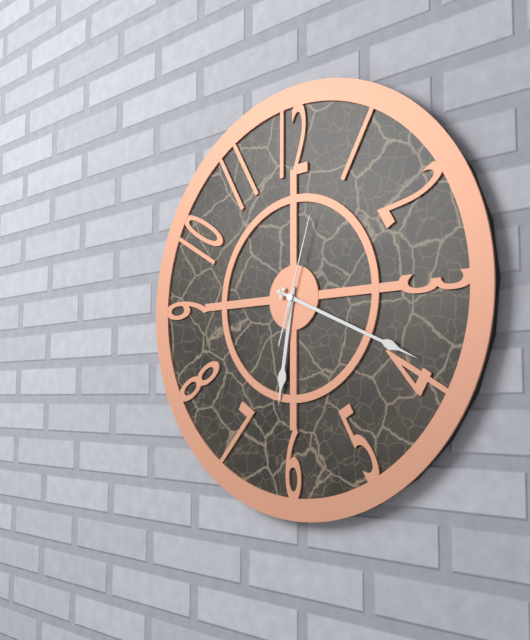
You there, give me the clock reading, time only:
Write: 6:19:03
